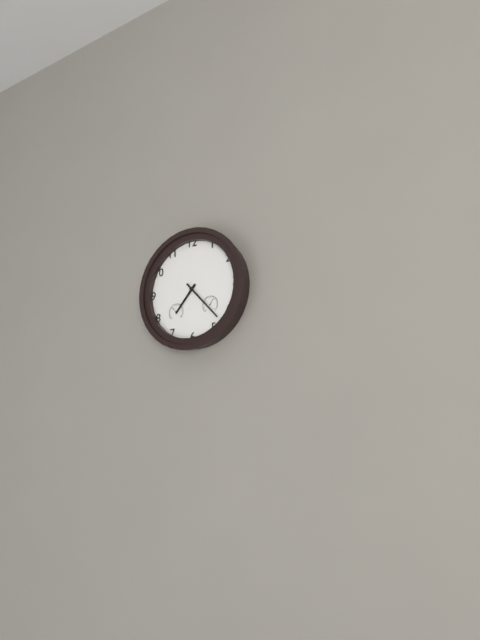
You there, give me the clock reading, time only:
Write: 7:23
